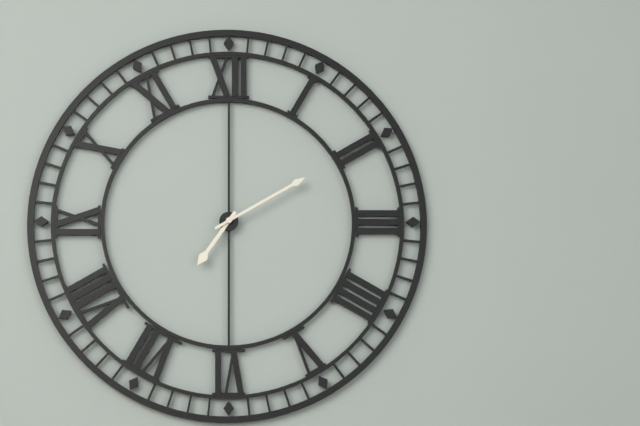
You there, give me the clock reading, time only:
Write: 7:10
